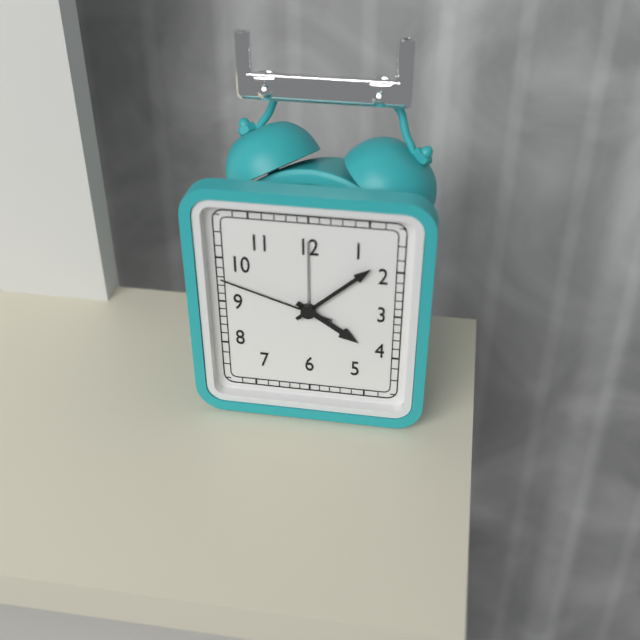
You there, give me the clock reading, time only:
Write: 4:08:48
